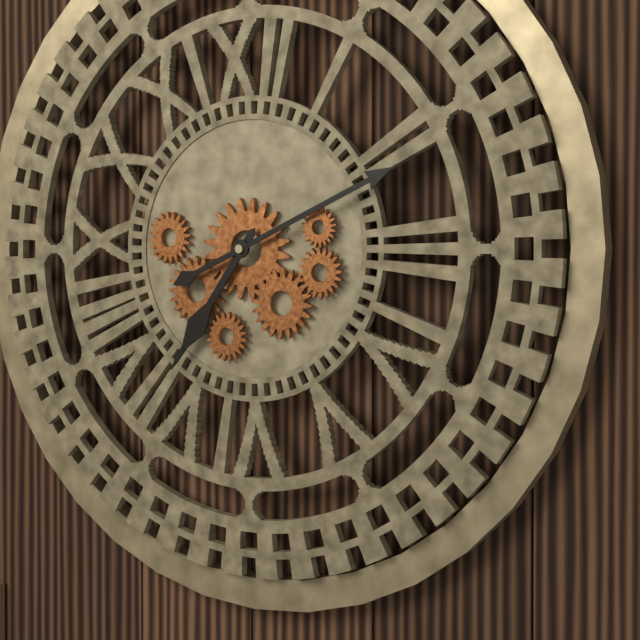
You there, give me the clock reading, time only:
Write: 7:11
